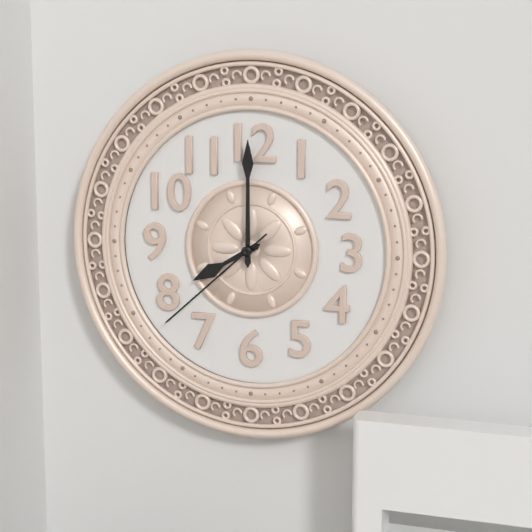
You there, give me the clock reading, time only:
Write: 8:00:38
